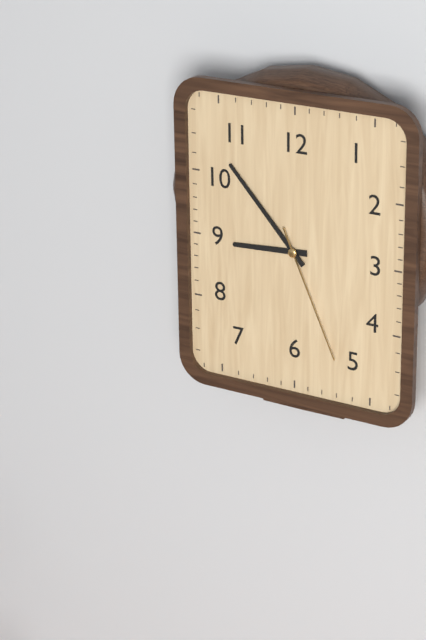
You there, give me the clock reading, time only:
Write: 8:53:26
